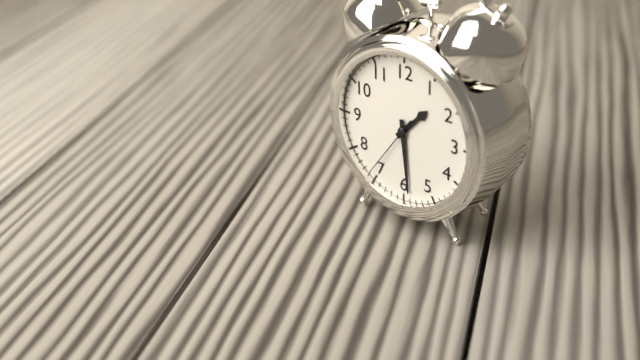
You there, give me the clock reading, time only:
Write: 1:29:36
